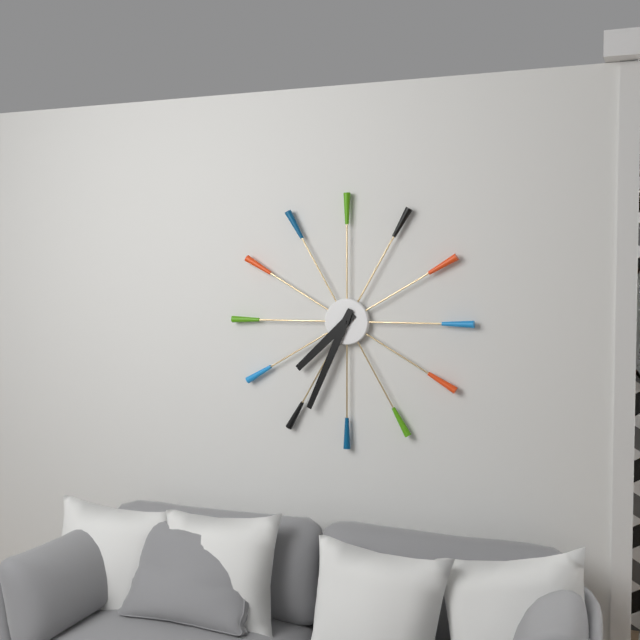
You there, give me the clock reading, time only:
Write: 7:34
